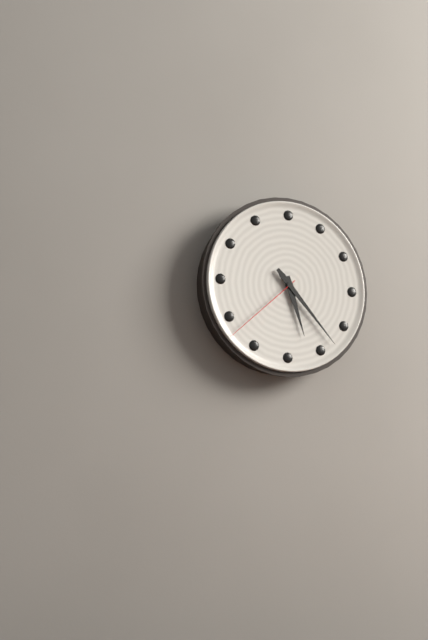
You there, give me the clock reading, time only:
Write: 5:23:38
